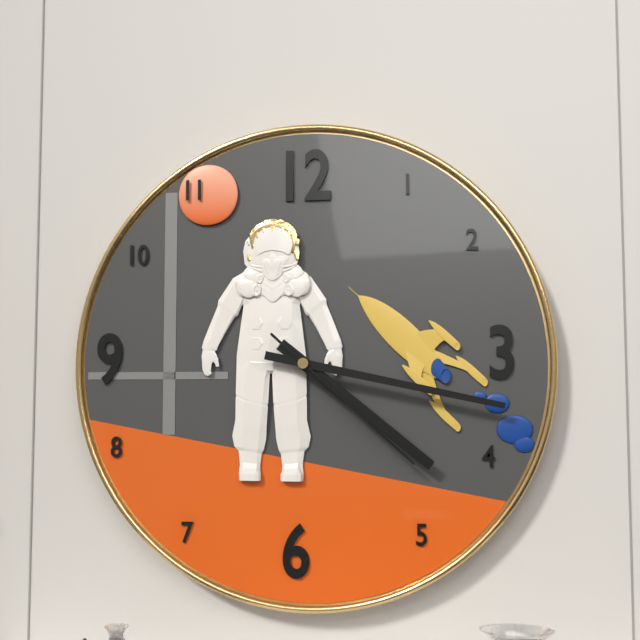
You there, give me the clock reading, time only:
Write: 4:17:22
